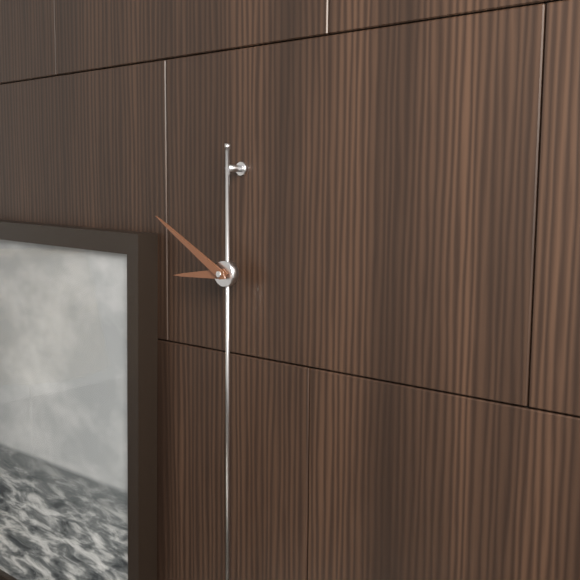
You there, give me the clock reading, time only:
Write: 8:50
